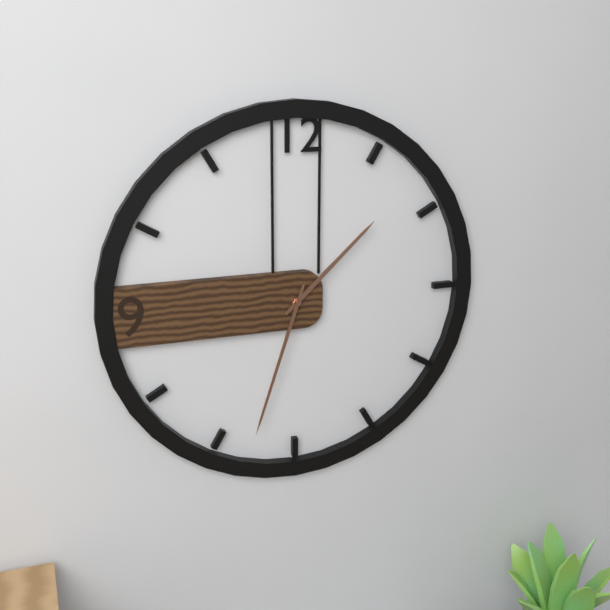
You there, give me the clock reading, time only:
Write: 1:33
